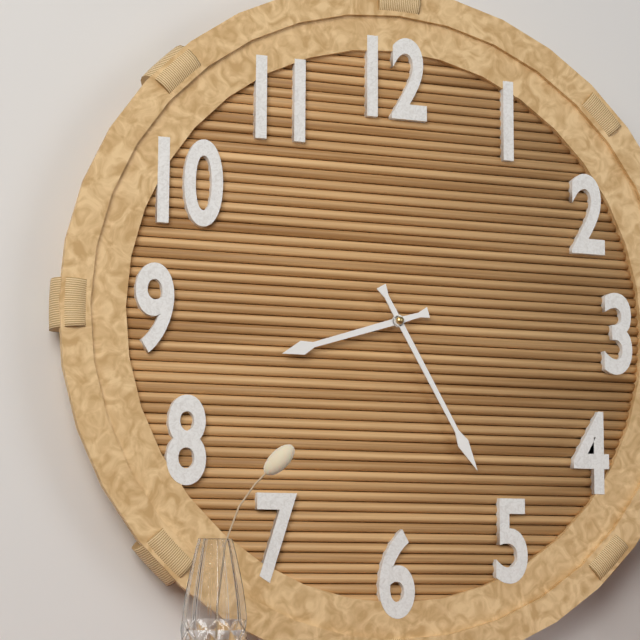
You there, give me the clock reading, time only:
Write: 8:25
